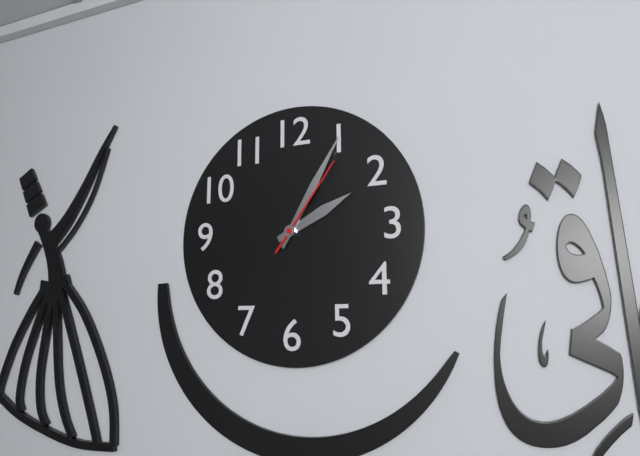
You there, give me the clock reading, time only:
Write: 2:05:06
